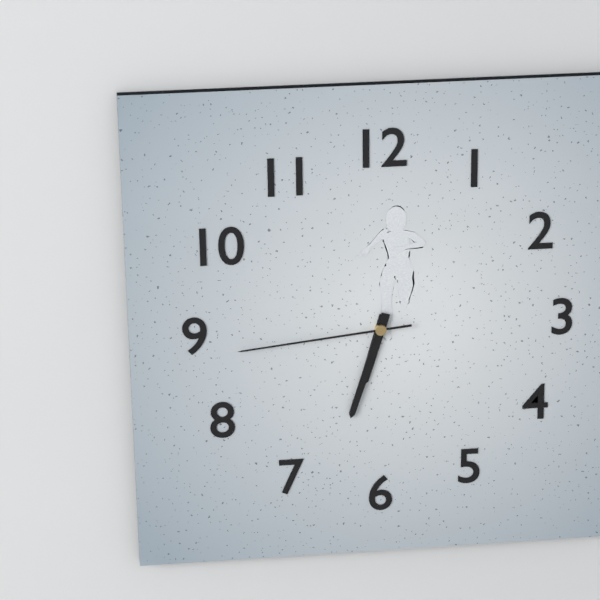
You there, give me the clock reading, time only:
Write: 6:33:44
